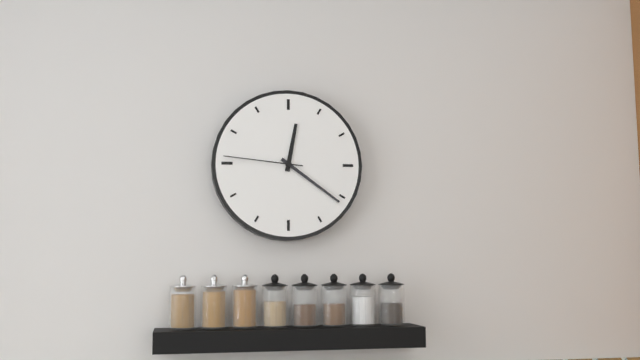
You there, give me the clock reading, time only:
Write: 12:21:46
